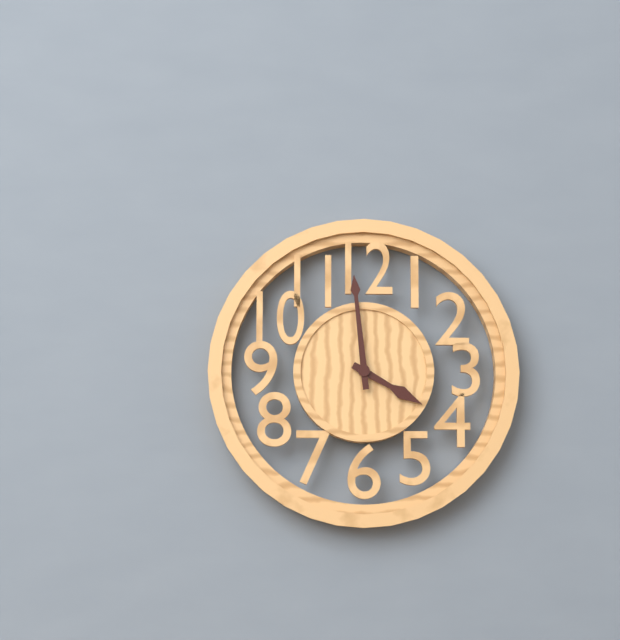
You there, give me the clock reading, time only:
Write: 3:59
